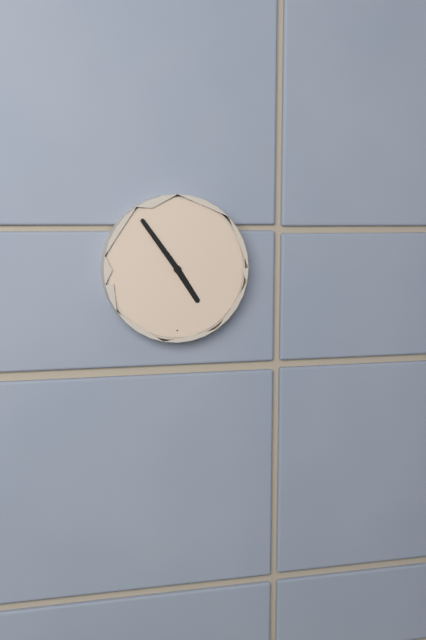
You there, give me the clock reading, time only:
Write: 4:54
